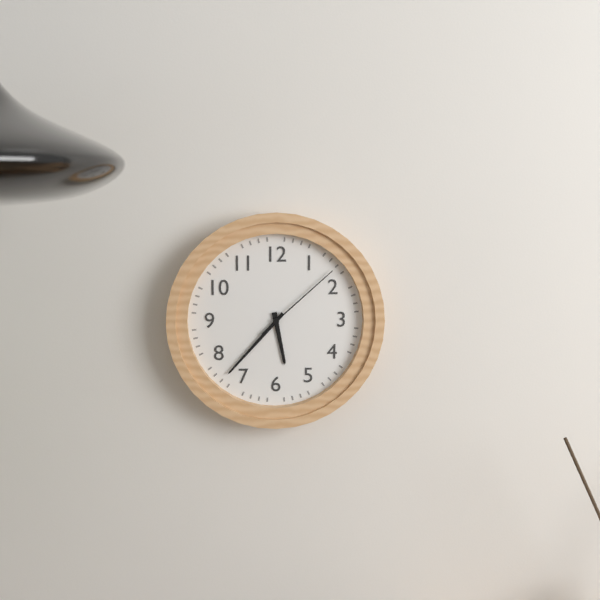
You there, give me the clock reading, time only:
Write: 5:37:08
